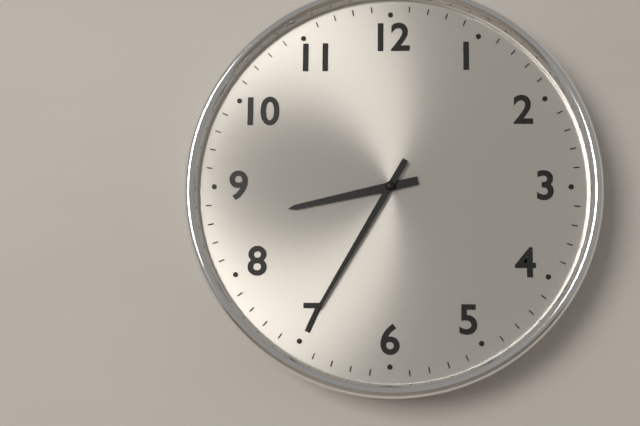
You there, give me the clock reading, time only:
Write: 8:35
